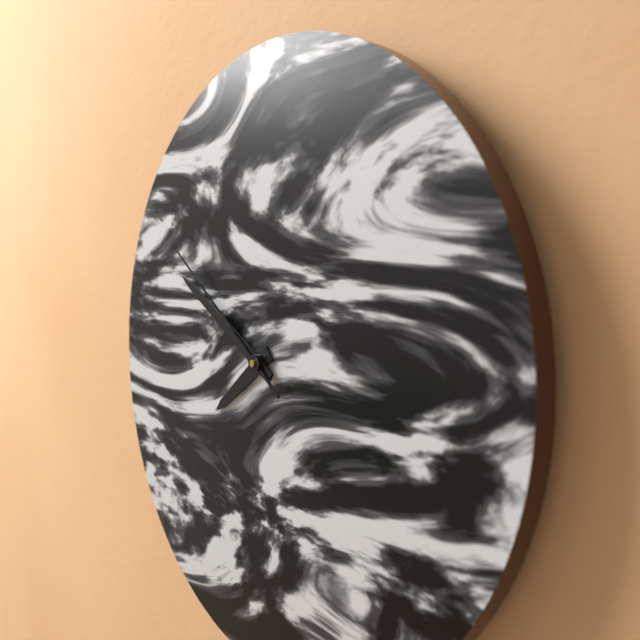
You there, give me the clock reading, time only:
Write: 7:50:51
